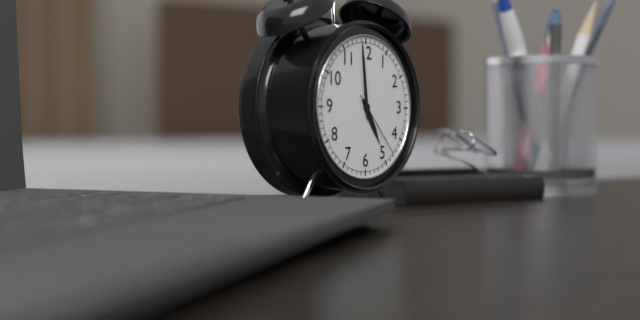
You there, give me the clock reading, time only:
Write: 4:59:23
